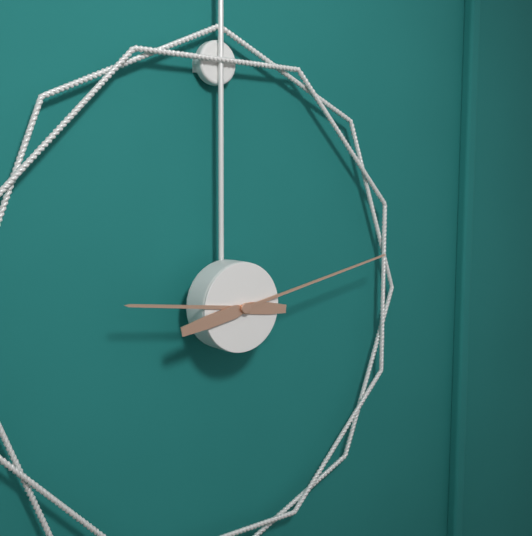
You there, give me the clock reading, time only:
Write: 9:13
